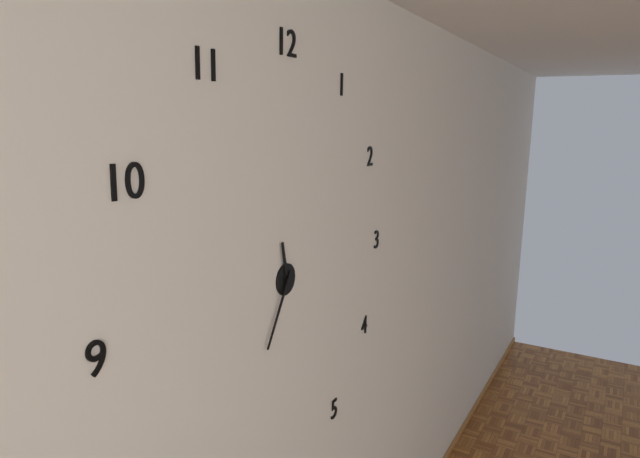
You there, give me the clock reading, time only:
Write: 11:35
